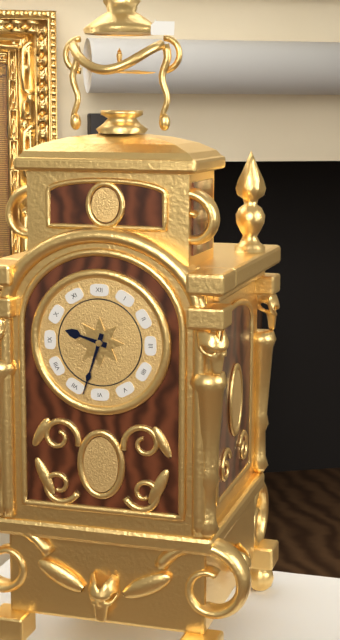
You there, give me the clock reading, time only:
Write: 9:33
